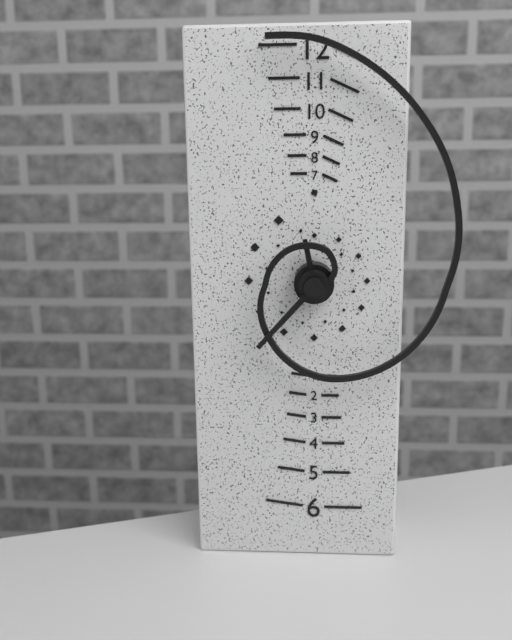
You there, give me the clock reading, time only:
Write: 11:37
